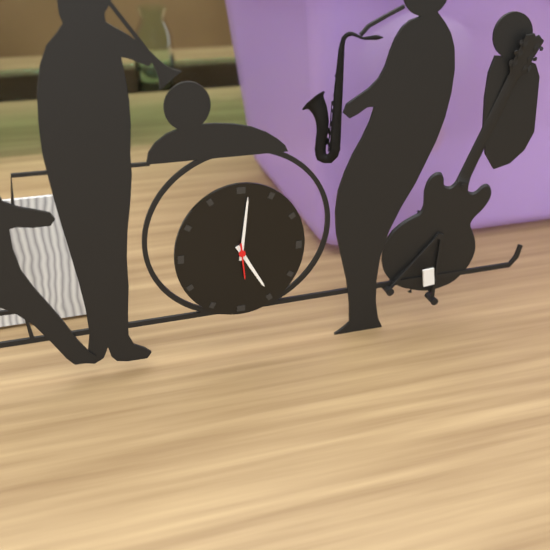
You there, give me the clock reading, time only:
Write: 5:01
